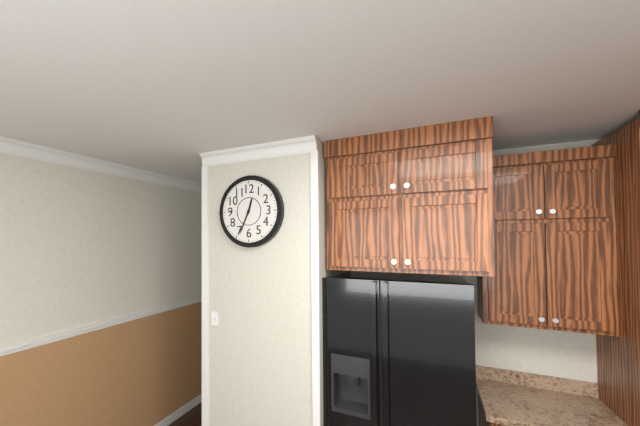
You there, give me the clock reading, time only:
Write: 12:34
